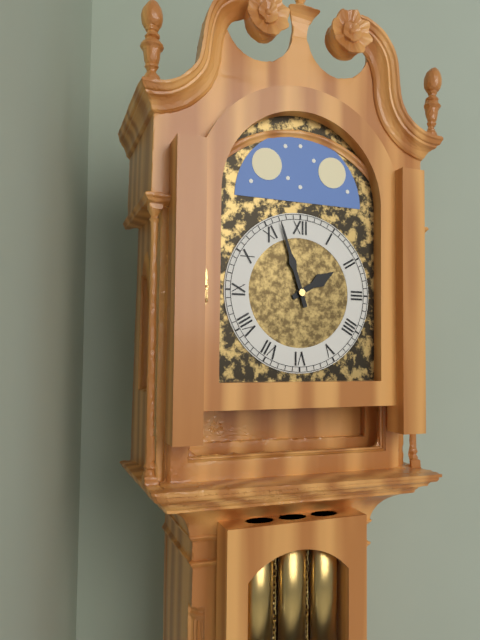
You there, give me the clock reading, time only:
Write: 1:57
